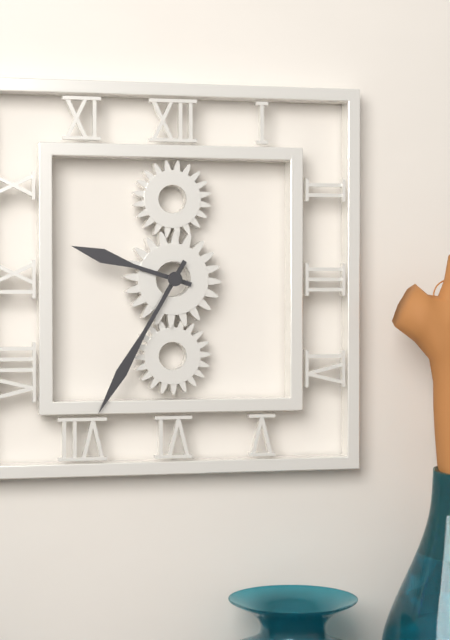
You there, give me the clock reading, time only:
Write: 9:35
